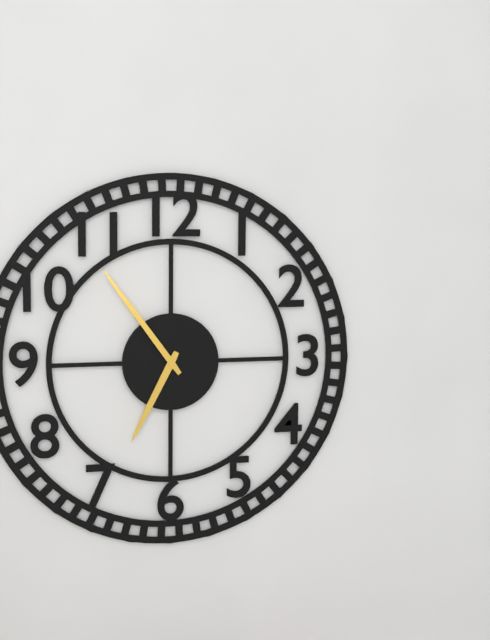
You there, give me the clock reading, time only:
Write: 6:54
